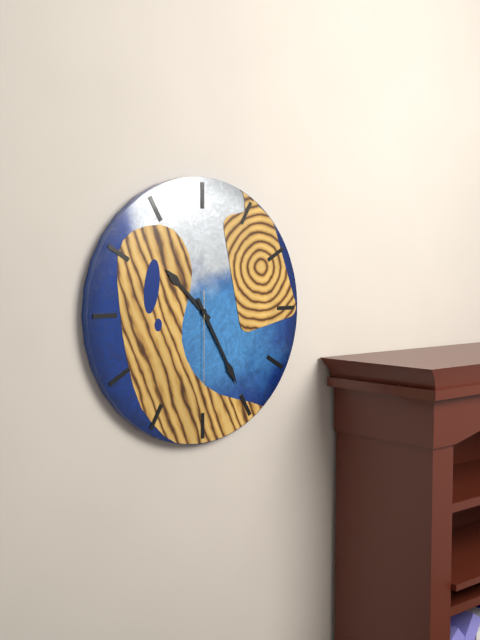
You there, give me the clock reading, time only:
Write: 10:25:30
